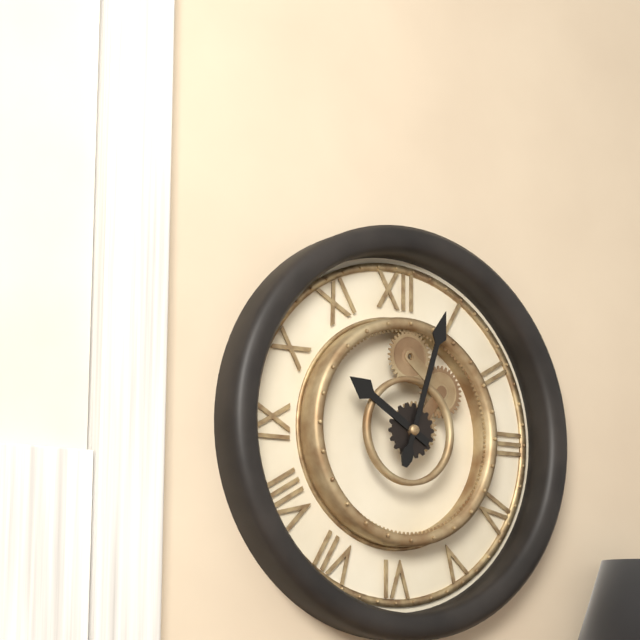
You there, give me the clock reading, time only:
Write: 10:03
